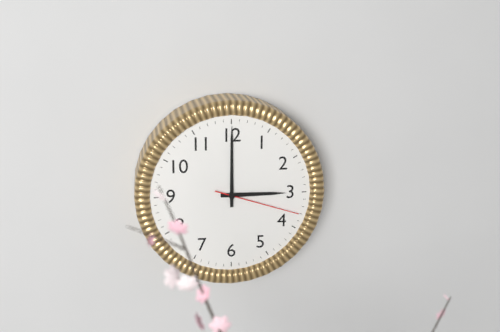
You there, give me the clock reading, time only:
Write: 3:00:18
